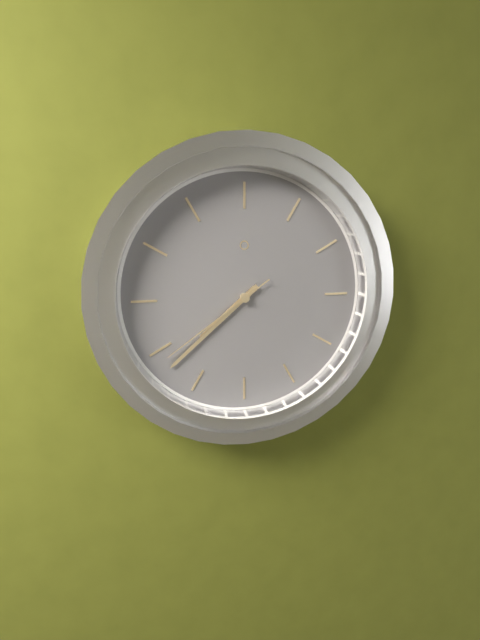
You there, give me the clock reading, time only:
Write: 7:38:39
